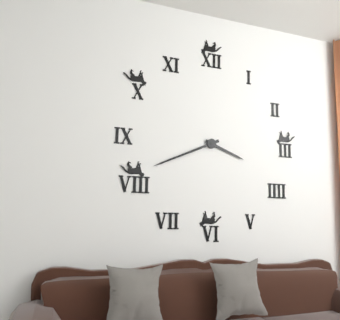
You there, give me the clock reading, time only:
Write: 3:41
